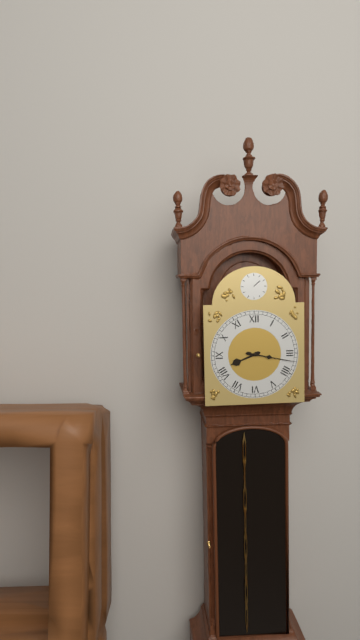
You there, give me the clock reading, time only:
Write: 8:17
